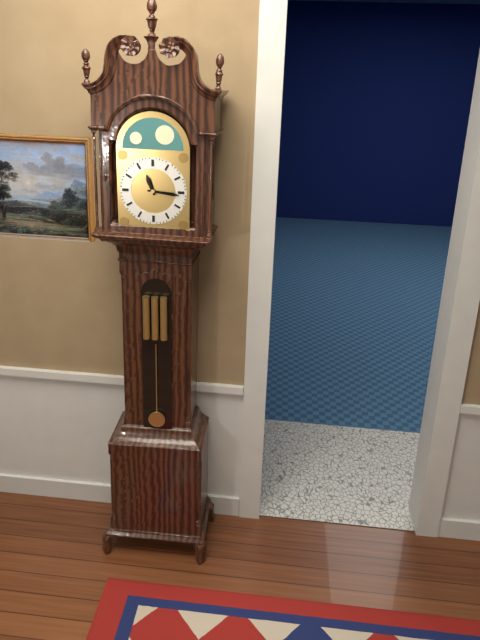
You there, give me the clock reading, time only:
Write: 11:16
